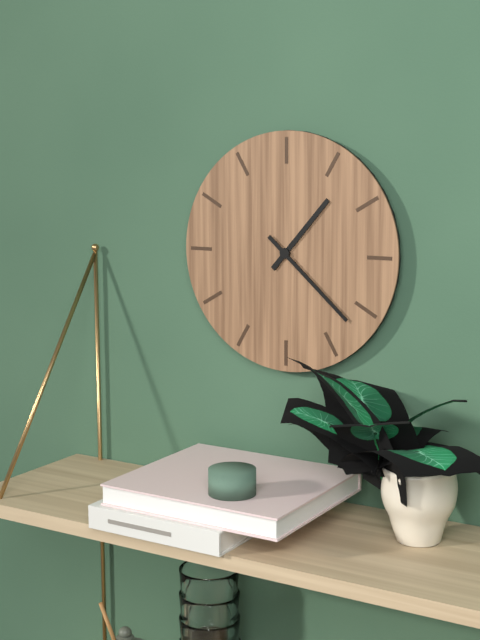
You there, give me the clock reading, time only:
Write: 1:22
